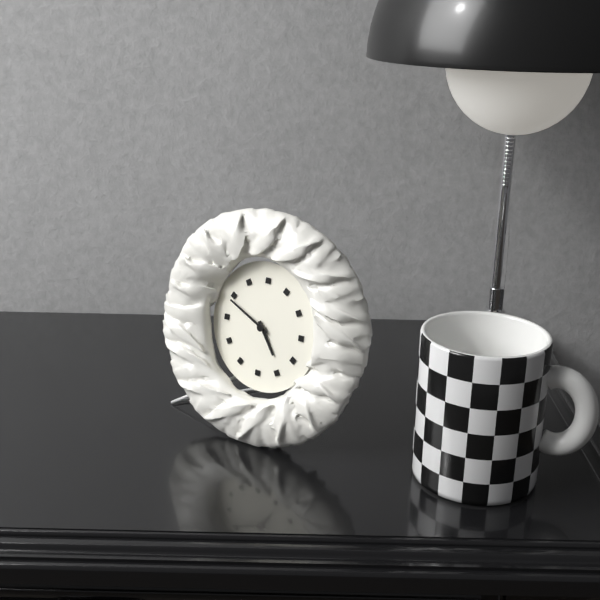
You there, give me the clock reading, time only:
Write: 4:49
